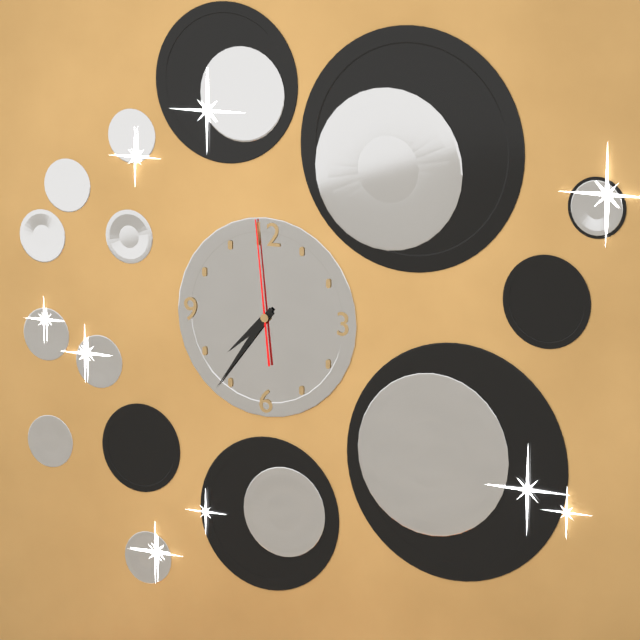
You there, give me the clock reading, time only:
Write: 7:36:59
